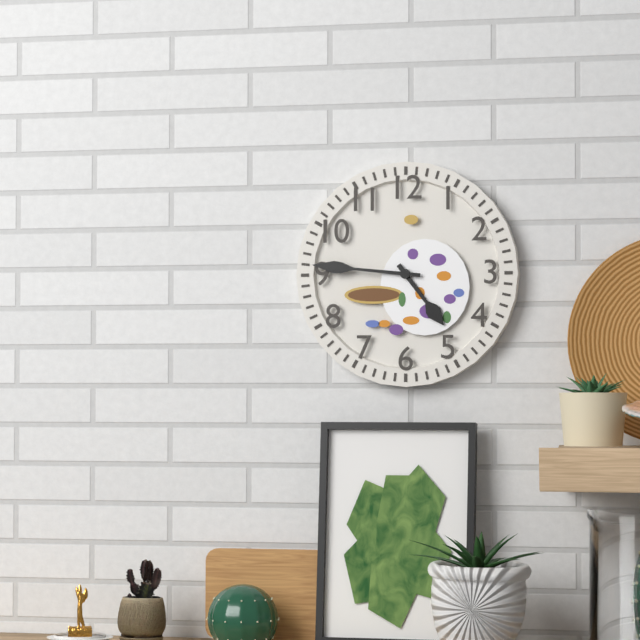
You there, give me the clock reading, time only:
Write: 4:46
